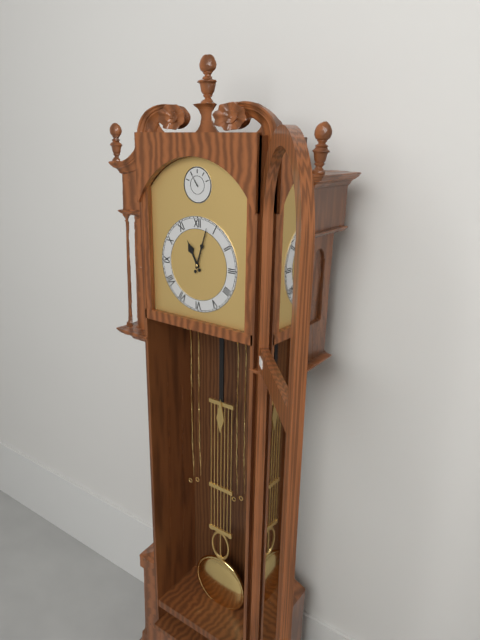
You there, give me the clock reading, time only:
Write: 11:03
